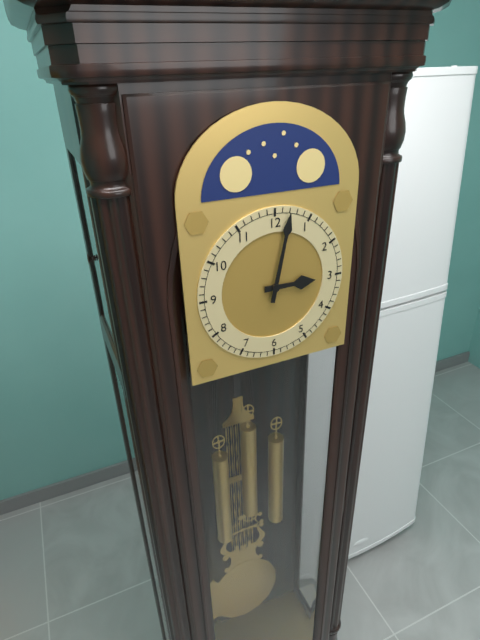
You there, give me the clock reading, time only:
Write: 3:02
